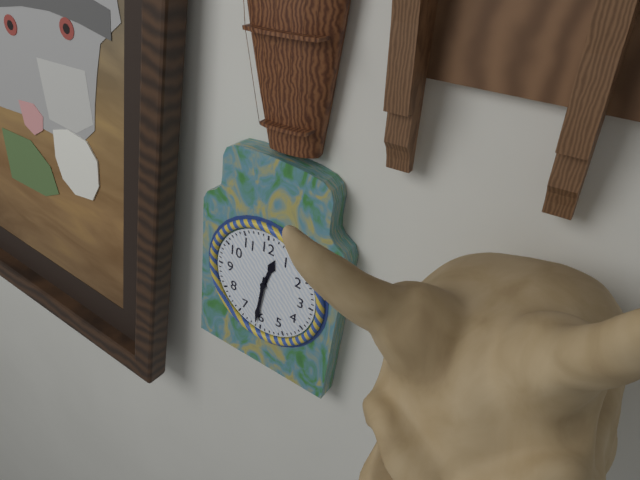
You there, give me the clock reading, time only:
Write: 12:31
